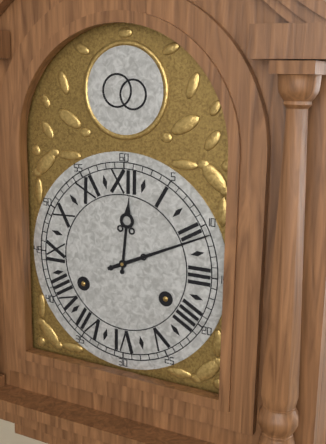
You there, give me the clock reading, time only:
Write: 12:11
